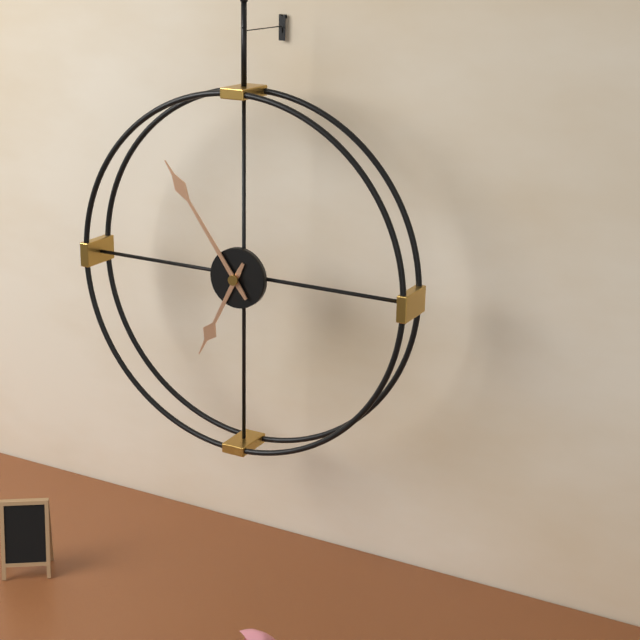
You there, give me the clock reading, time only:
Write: 6:54
